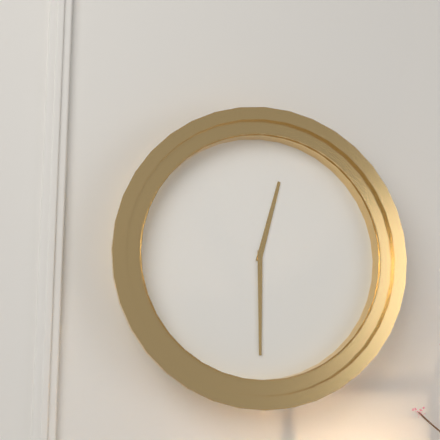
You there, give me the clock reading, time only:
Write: 12:30
